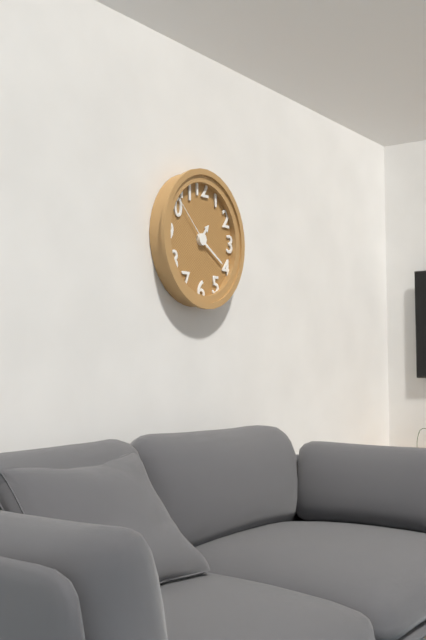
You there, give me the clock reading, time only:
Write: 1:20:52
